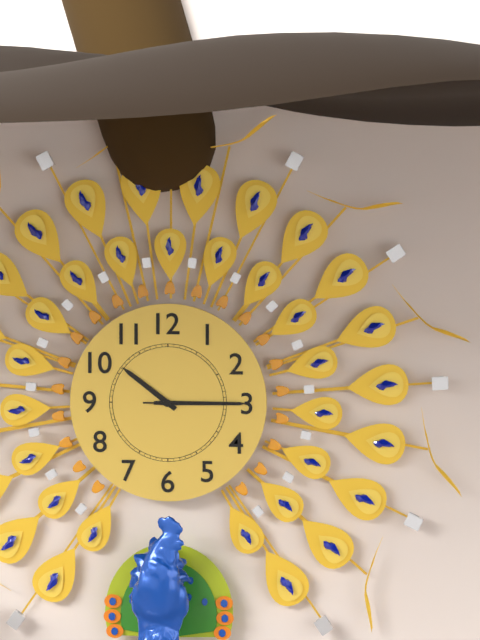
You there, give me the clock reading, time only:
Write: 10:15:15
